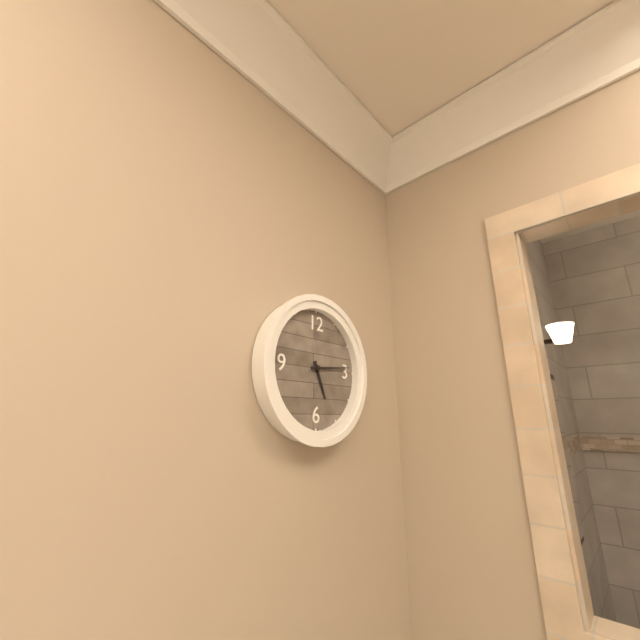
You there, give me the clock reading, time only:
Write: 5:14
